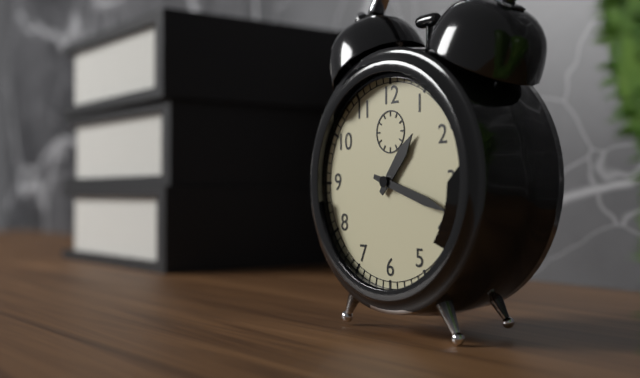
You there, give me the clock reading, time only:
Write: 1:18
